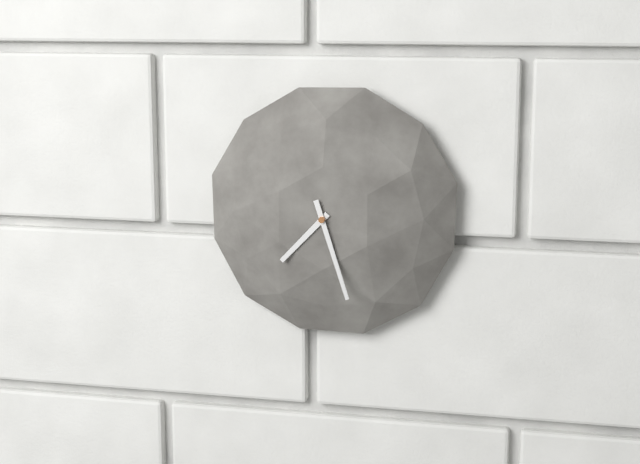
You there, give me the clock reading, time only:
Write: 7:27
